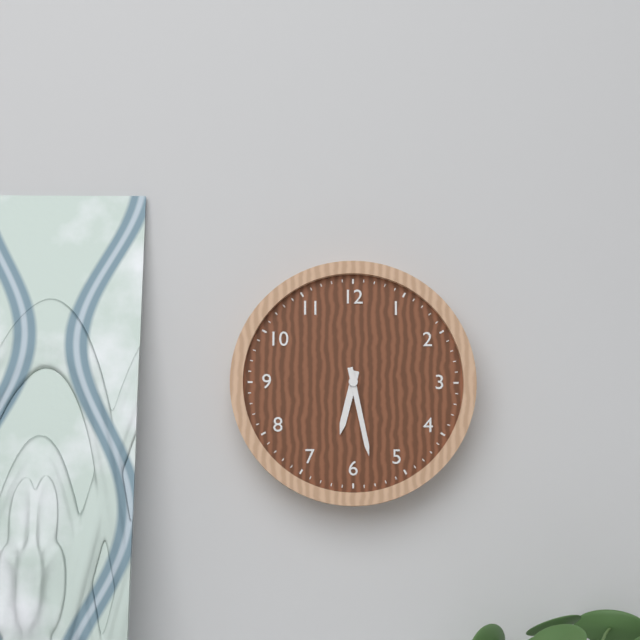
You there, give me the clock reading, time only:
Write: 6:28
